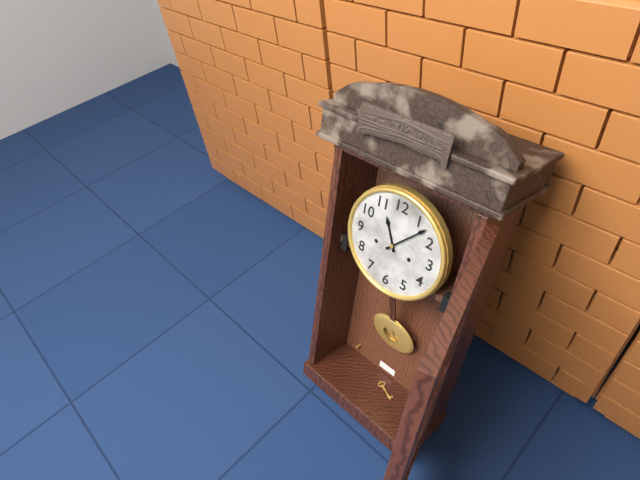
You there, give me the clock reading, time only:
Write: 11:07
